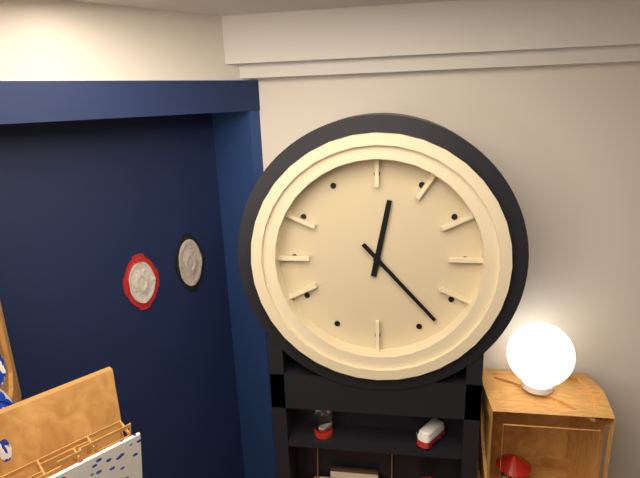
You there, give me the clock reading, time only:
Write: 12:23
